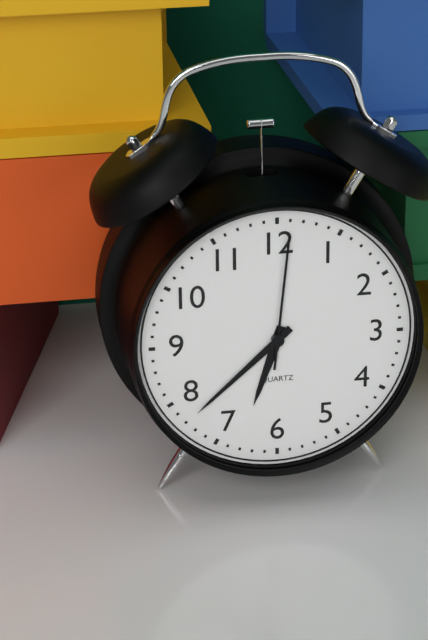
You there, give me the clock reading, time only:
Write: 6:38:01
